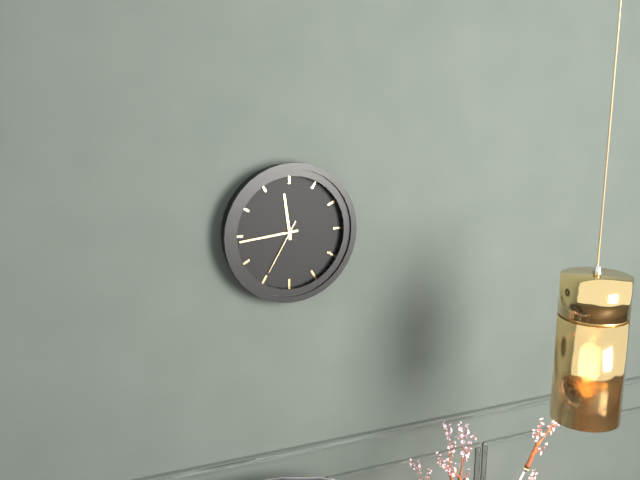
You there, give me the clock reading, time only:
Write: 11:44:35
